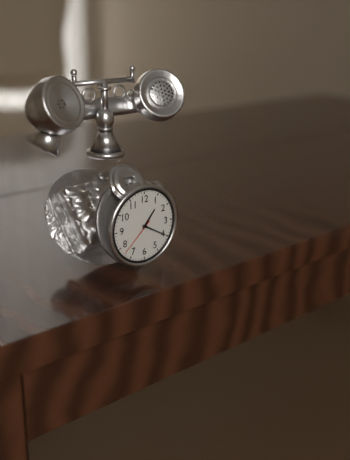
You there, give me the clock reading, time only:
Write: 1:20
